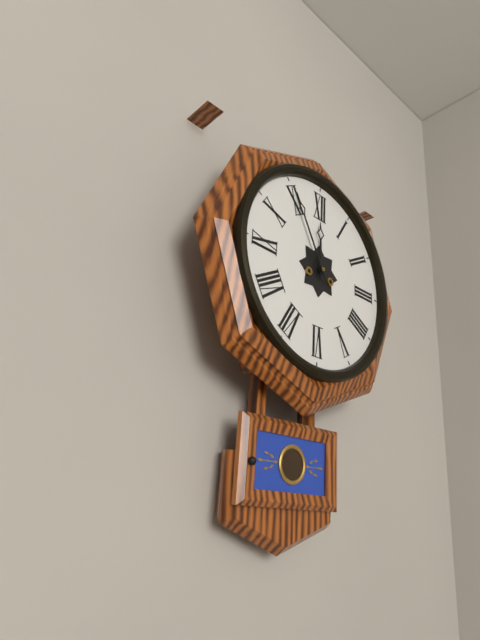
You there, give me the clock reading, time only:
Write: 11:55
